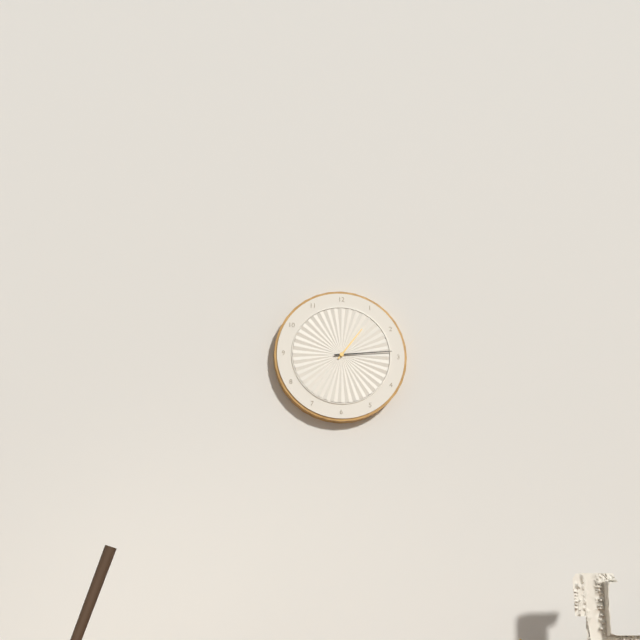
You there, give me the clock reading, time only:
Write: 1:14
